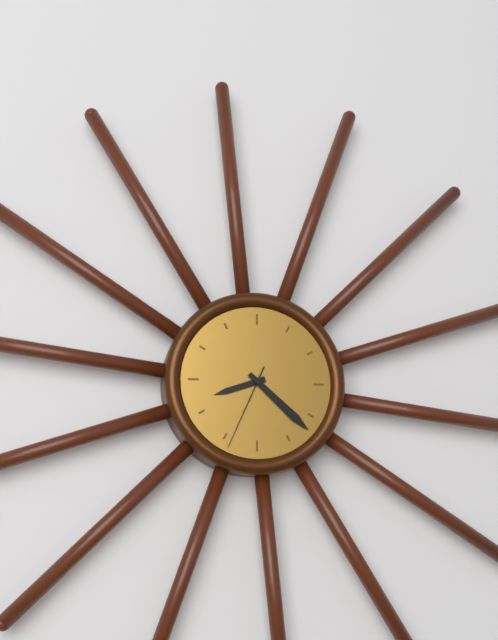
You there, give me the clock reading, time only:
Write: 8:22:34
